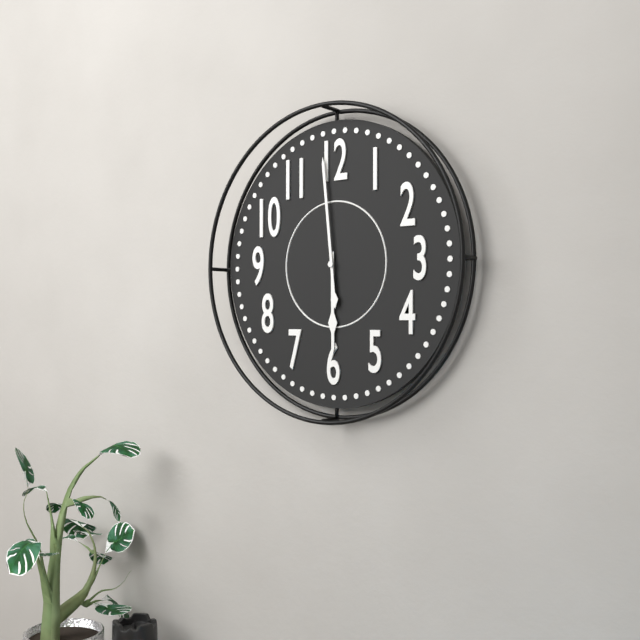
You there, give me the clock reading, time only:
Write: 5:59
